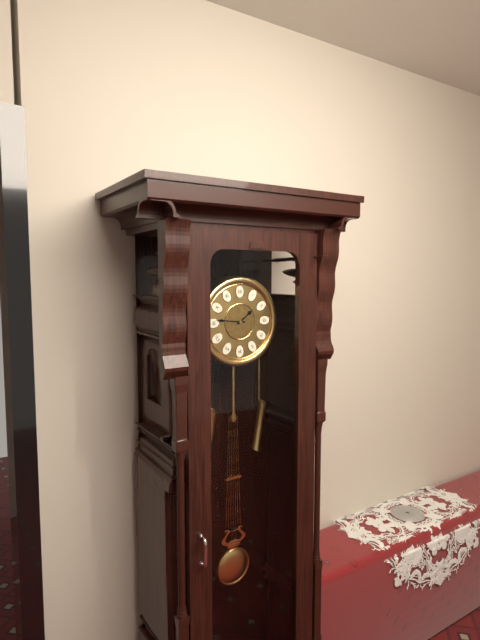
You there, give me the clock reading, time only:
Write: 1:46
